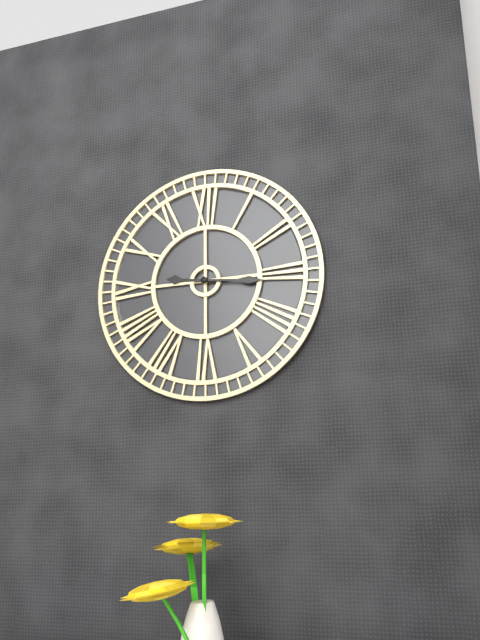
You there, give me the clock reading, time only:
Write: 9:16
